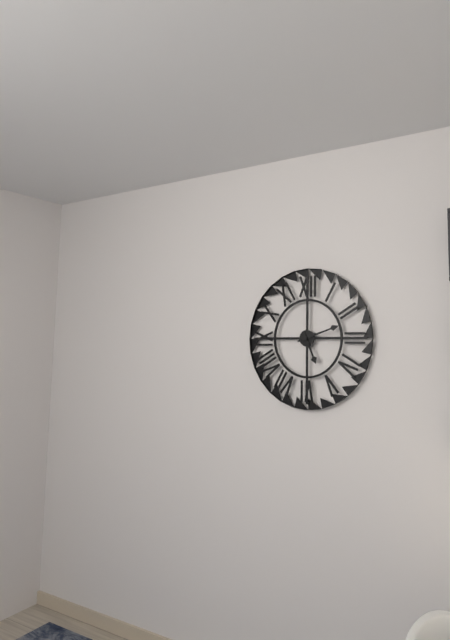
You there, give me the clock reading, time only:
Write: 5:12
